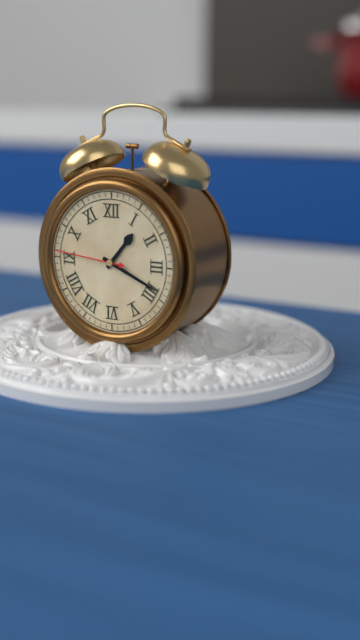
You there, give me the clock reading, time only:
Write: 1:19:46
